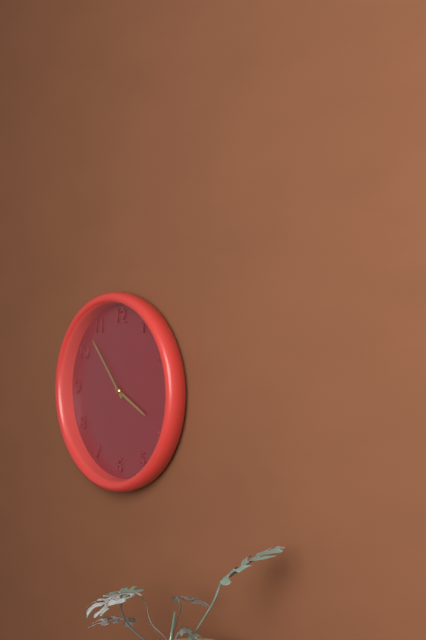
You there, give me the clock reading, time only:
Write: 3:53
